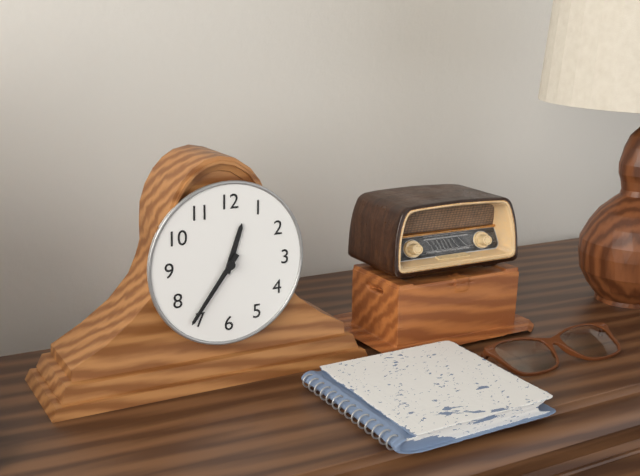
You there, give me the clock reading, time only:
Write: 12:36
